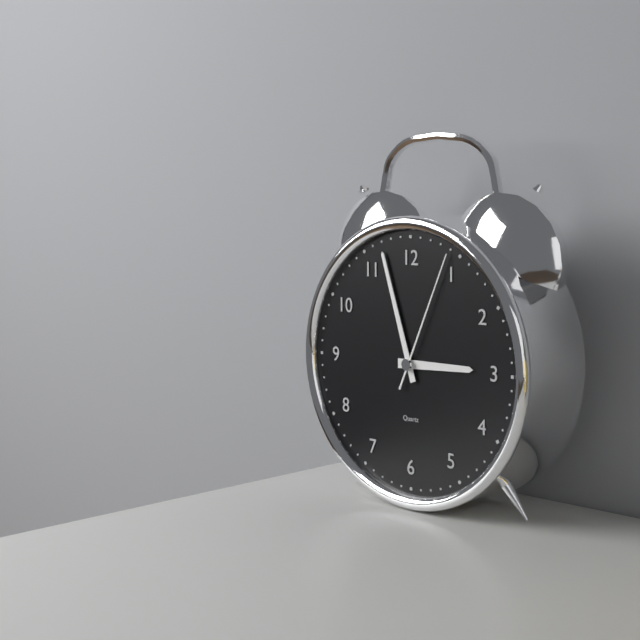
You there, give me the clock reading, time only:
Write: 2:57:04
